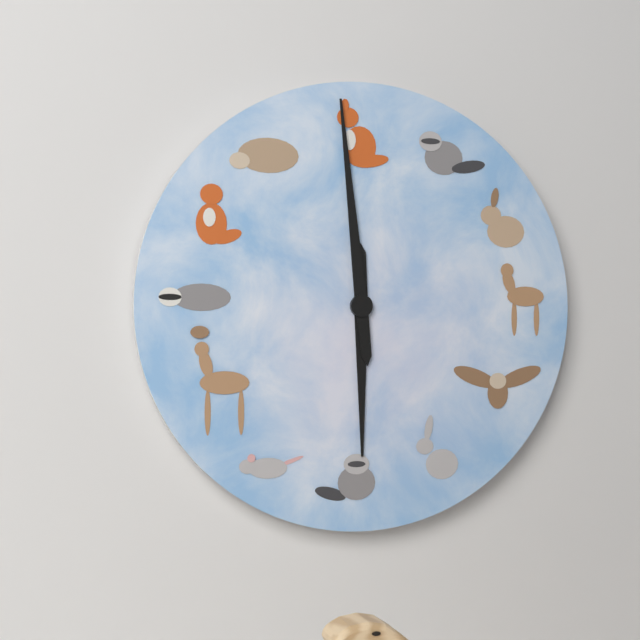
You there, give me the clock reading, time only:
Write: 5:59
